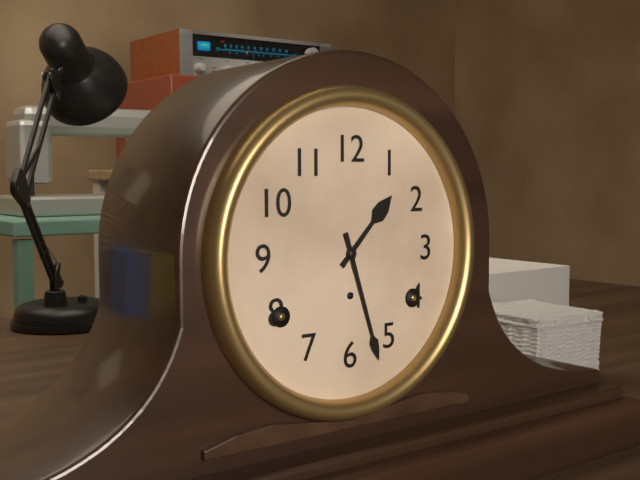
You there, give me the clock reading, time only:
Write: 1:27
